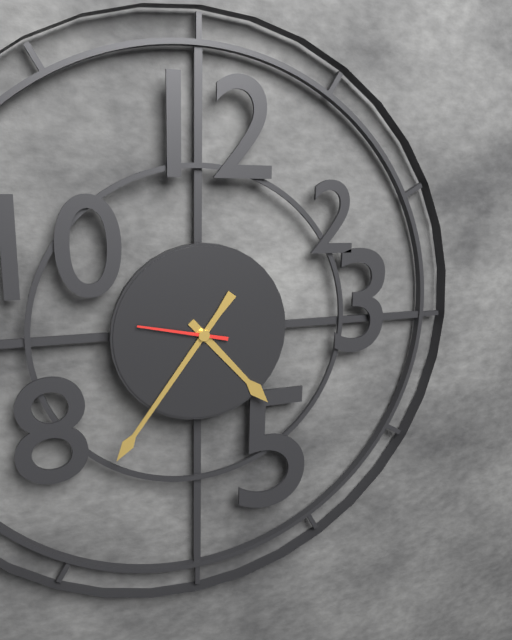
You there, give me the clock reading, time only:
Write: 4:36:47
